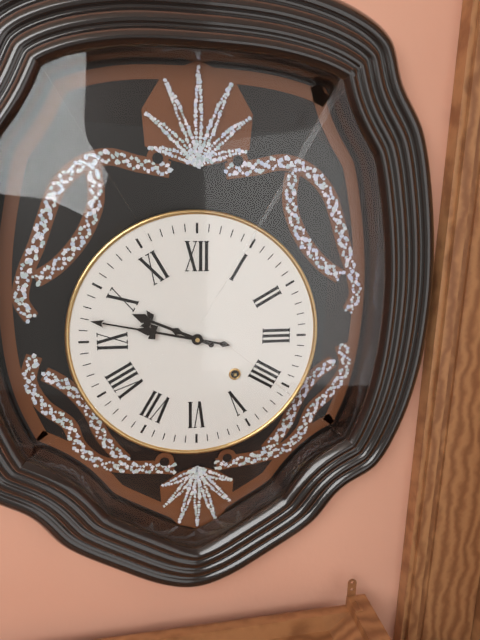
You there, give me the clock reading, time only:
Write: 9:47
